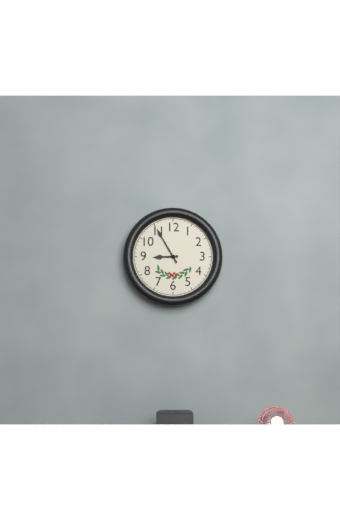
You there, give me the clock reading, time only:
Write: 8:55
